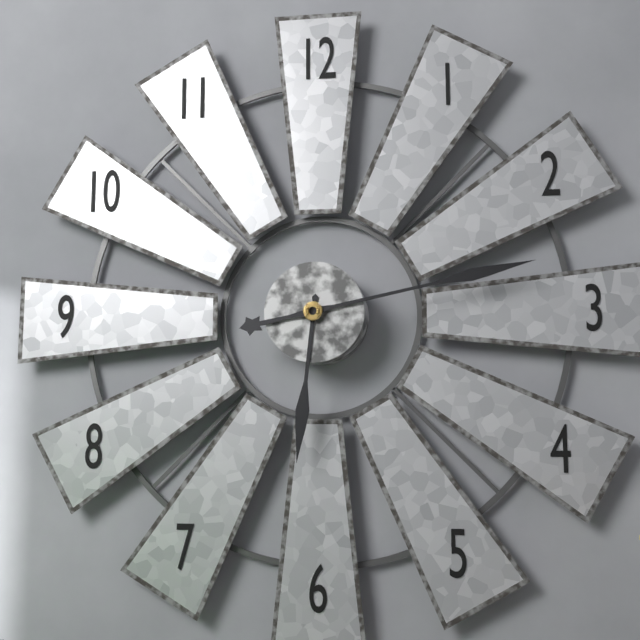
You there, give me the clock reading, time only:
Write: 6:13
